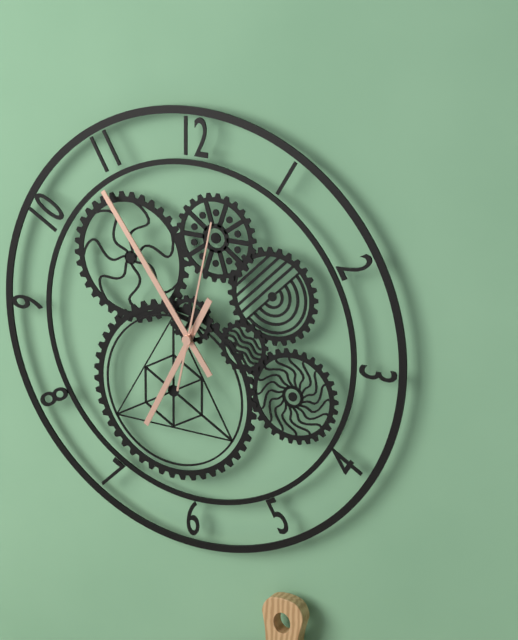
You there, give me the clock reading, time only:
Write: 6:54:02
